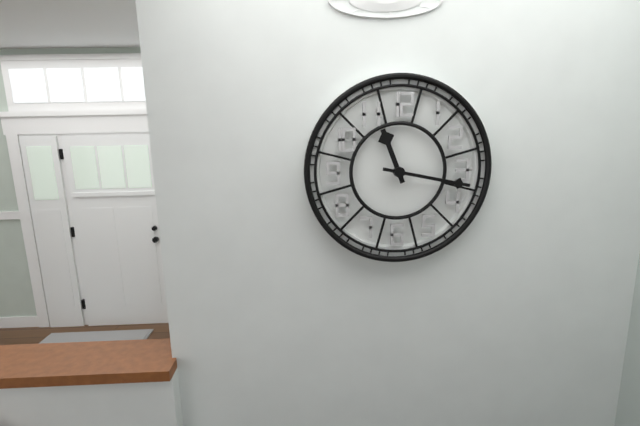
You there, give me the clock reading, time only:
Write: 11:17
